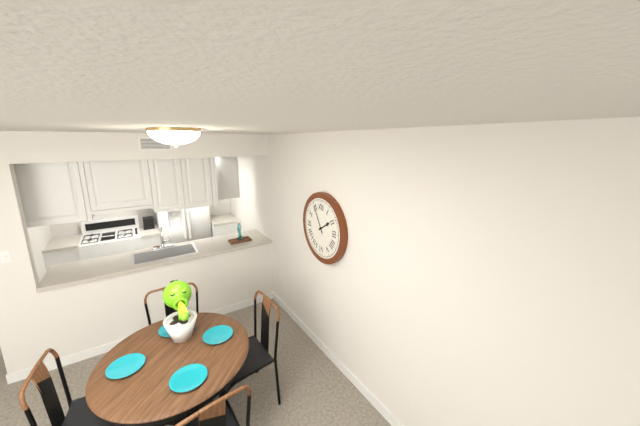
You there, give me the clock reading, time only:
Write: 1:55
